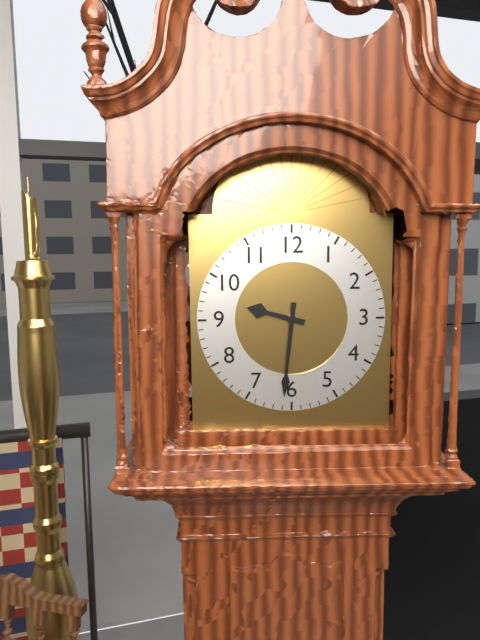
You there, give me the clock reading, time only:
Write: 9:31
